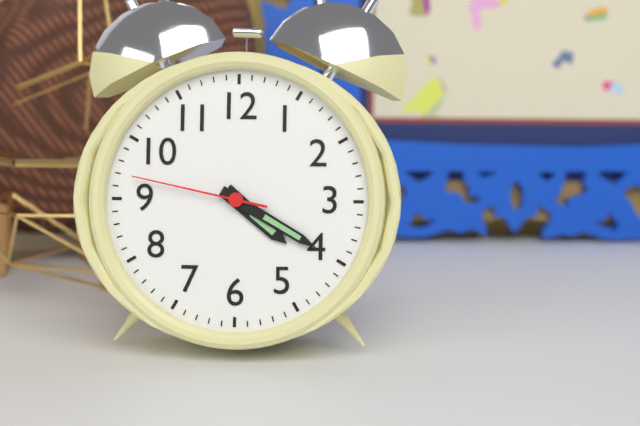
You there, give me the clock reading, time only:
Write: 4:20:47
